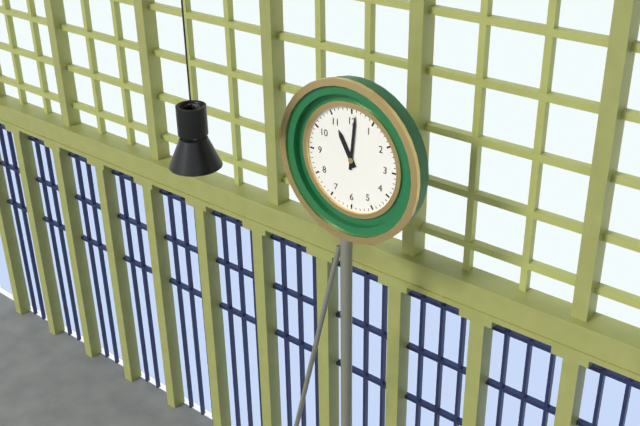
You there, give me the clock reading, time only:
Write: 11:01
